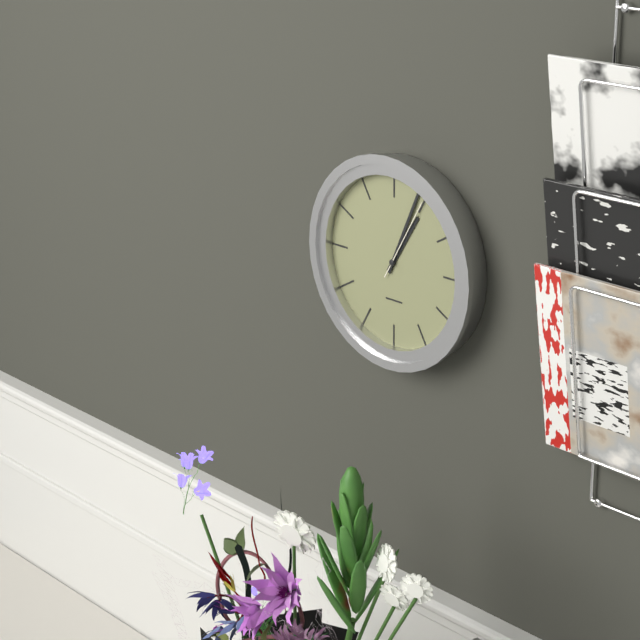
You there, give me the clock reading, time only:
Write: 1:04:05
